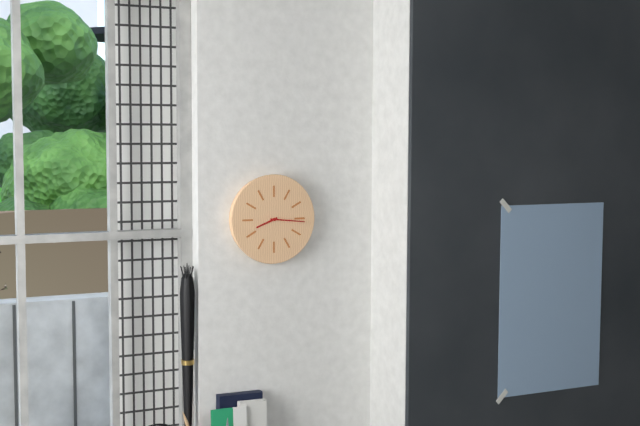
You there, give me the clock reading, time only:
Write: 8:16
